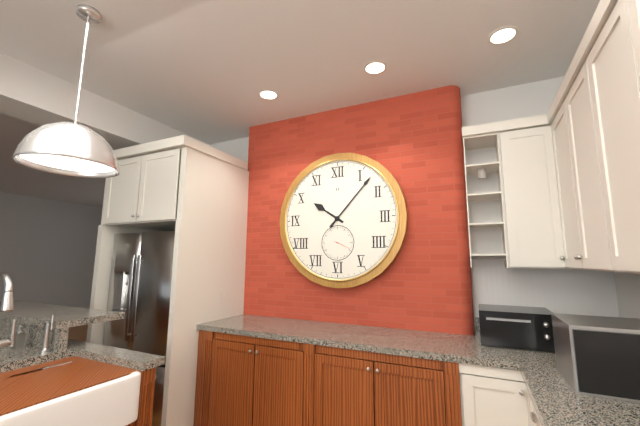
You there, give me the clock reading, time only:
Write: 10:07
